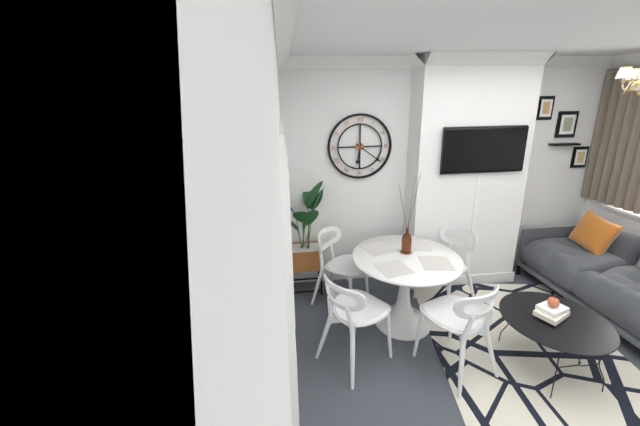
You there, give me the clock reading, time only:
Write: 6:21
